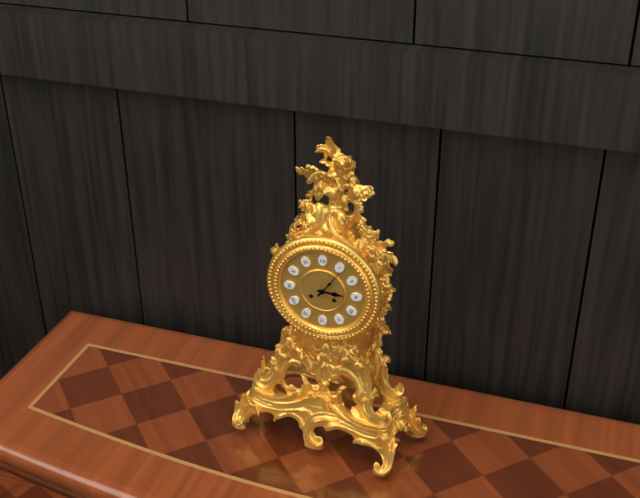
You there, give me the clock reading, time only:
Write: 3:06
